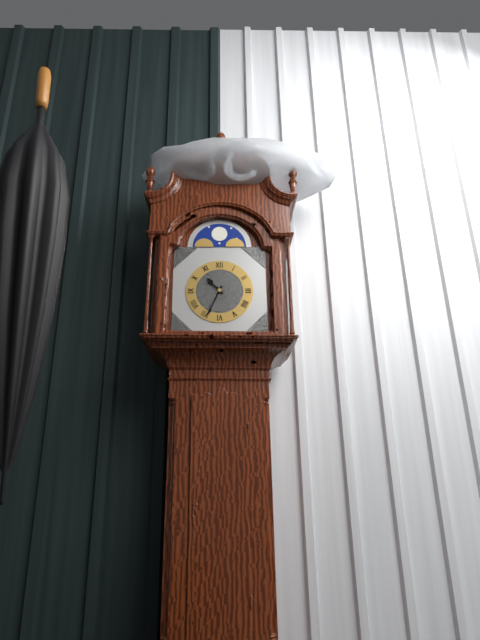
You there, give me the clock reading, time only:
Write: 10:34
